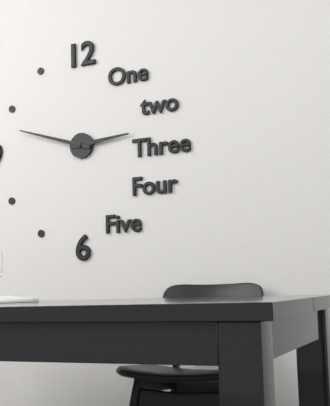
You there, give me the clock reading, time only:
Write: 2:48
